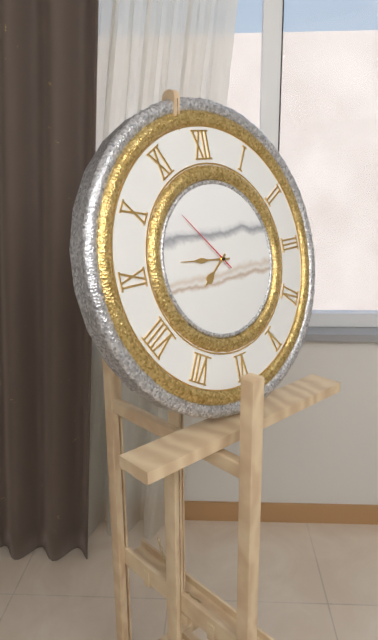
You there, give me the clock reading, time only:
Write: 7:46:53
